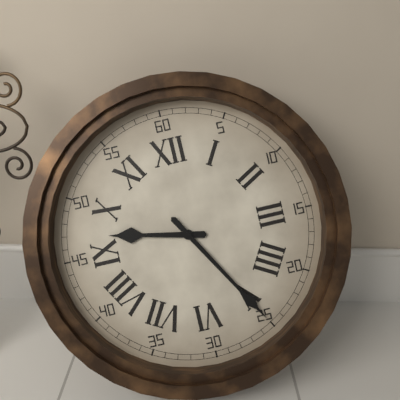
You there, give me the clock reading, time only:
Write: 9:25
